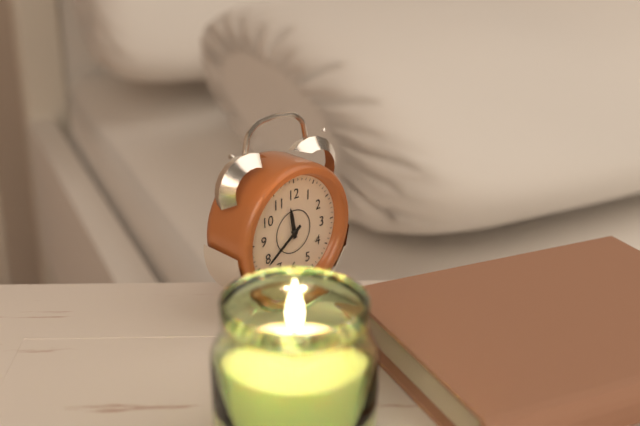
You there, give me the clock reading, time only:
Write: 11:39
